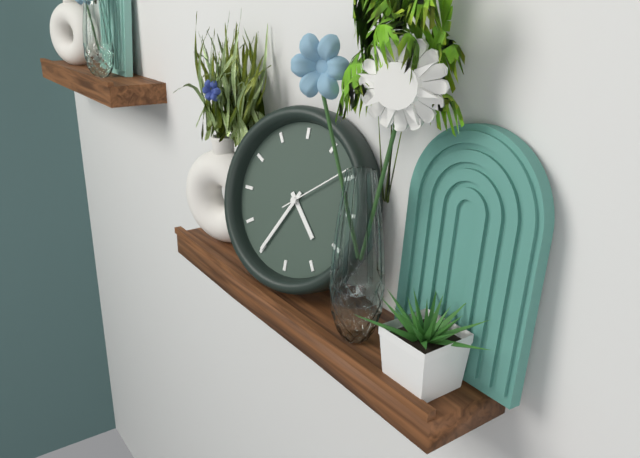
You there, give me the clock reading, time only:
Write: 4:35:09
